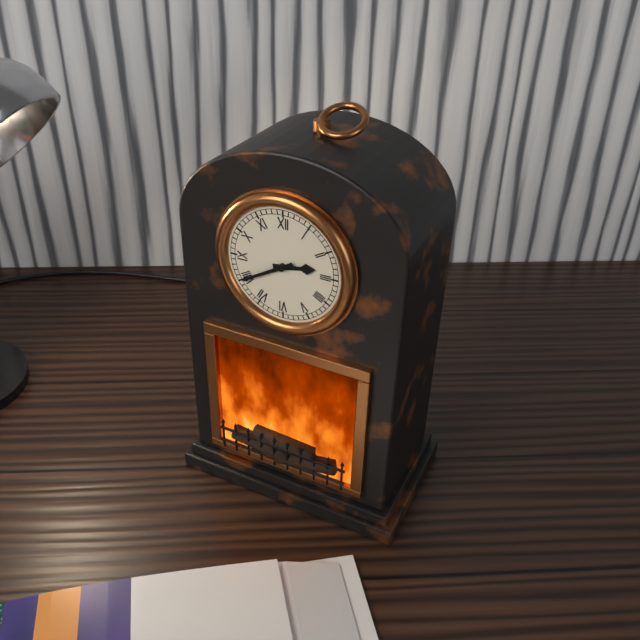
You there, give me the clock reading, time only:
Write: 2:40
